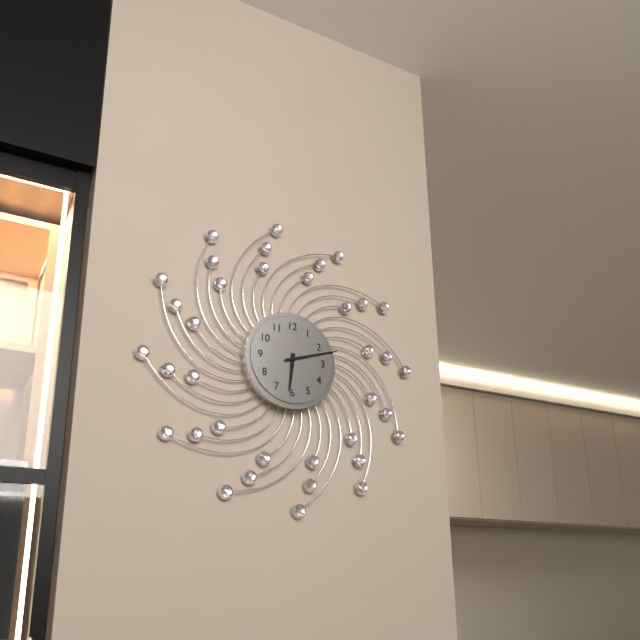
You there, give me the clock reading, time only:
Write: 6:12
